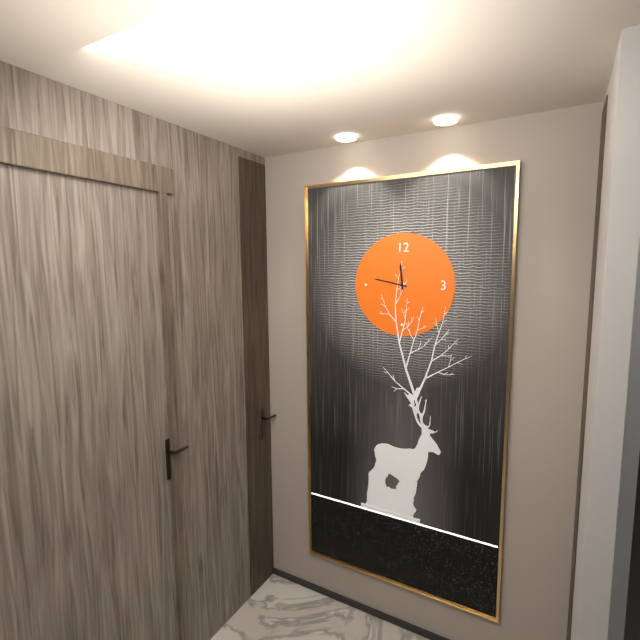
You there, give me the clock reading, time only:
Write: 11:47
